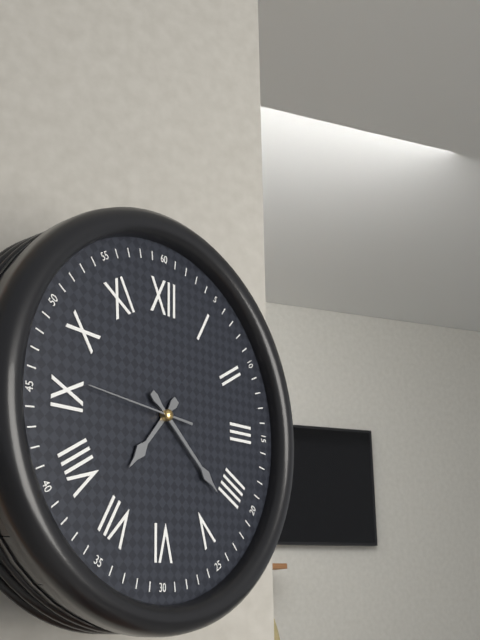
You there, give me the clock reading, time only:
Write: 7:22:46
